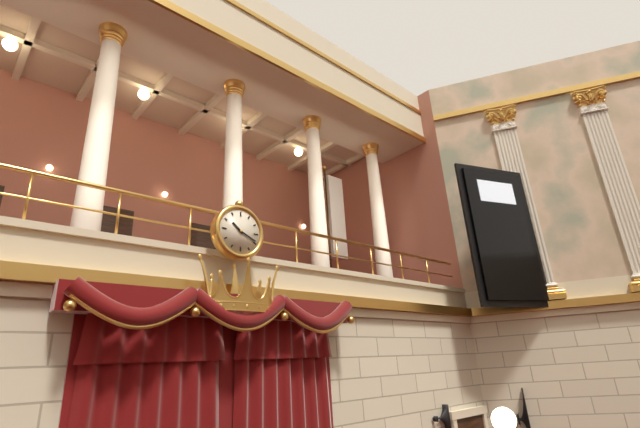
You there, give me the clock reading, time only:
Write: 10:19
